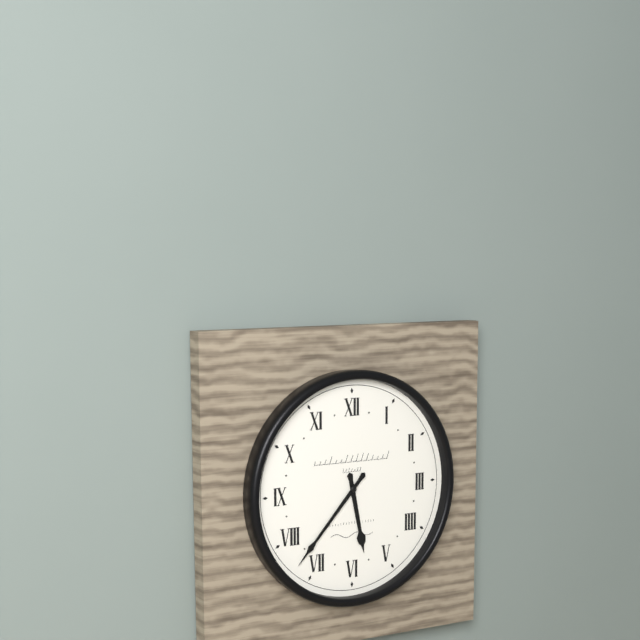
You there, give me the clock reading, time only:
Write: 5:37
